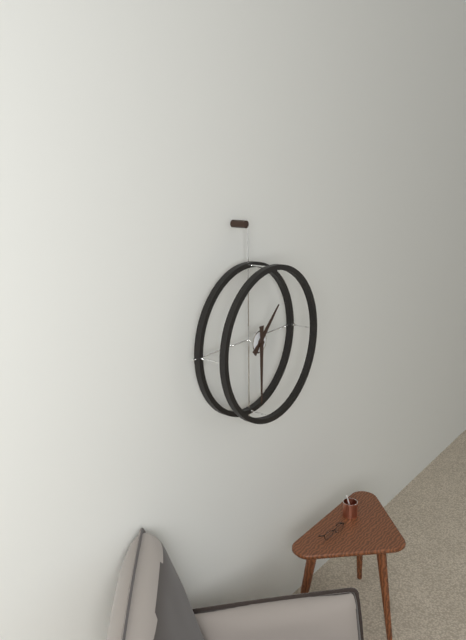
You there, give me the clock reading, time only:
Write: 1:30
